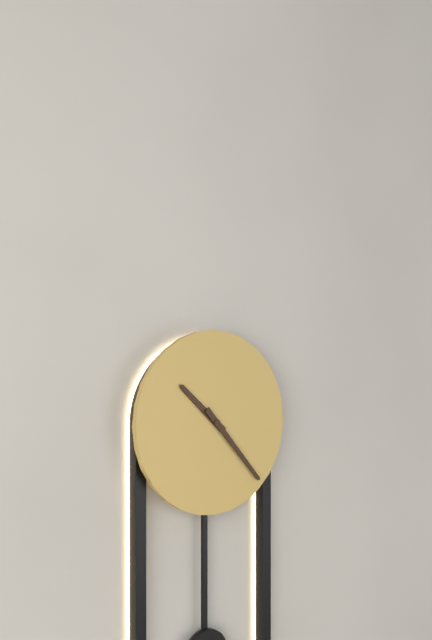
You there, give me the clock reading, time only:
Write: 10:23
